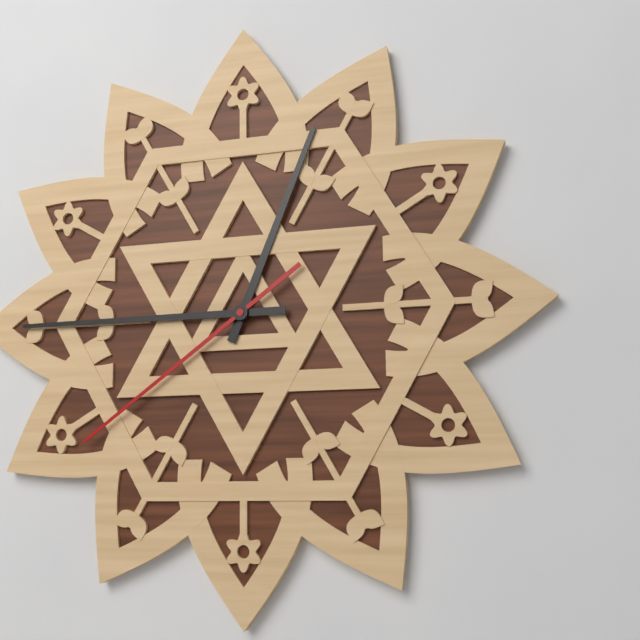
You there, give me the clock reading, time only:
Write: 12:45:39
